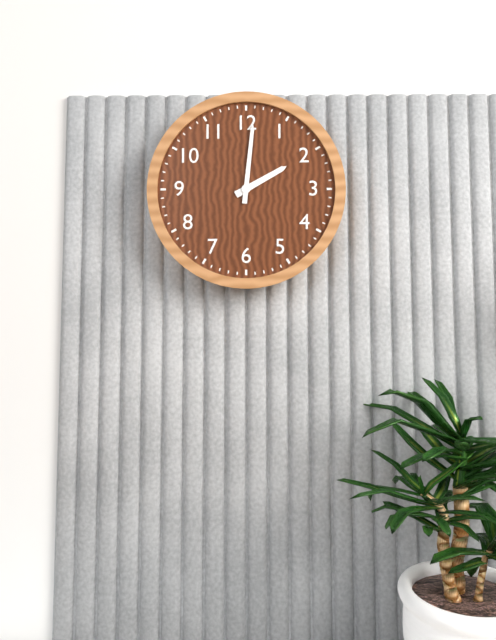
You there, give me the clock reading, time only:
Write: 2:01
